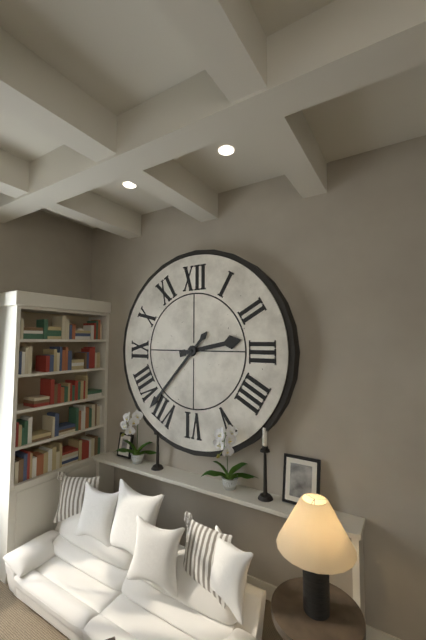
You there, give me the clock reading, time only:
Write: 2:37
